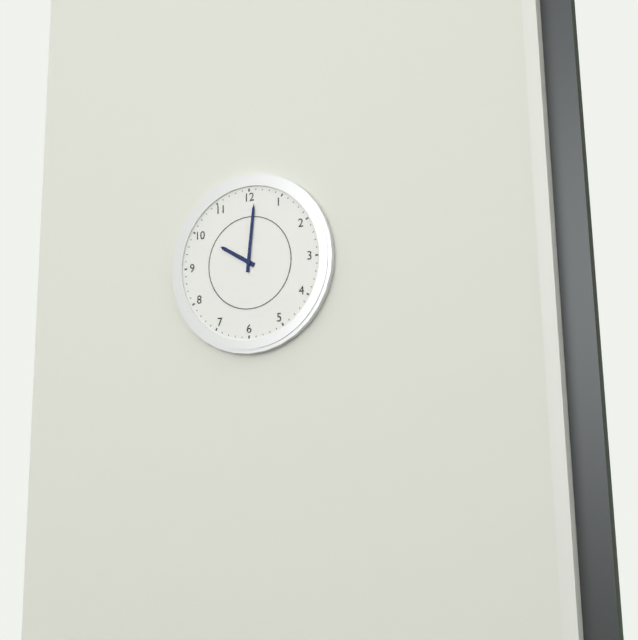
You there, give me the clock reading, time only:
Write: 10:01
